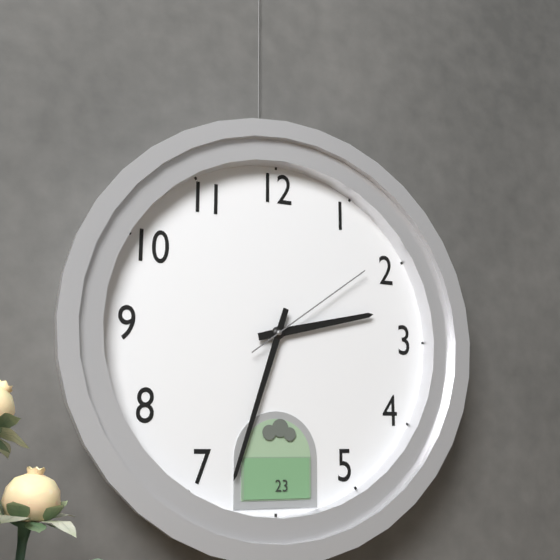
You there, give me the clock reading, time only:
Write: 2:33:09
